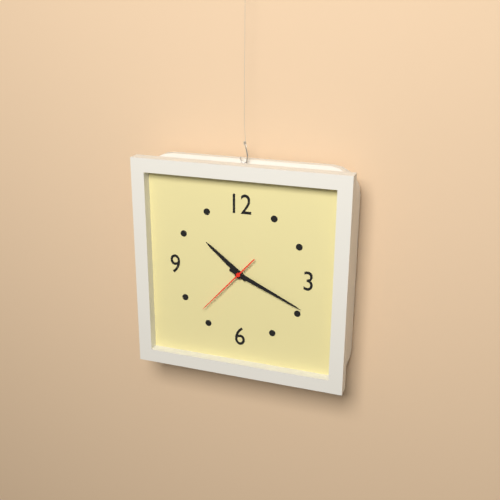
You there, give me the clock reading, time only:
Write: 10:19:37
